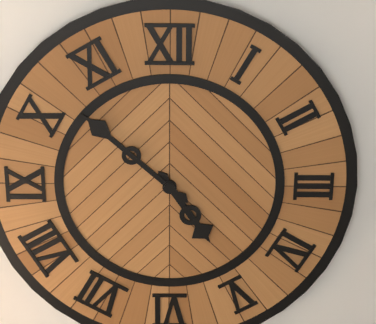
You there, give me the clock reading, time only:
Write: 4:52
